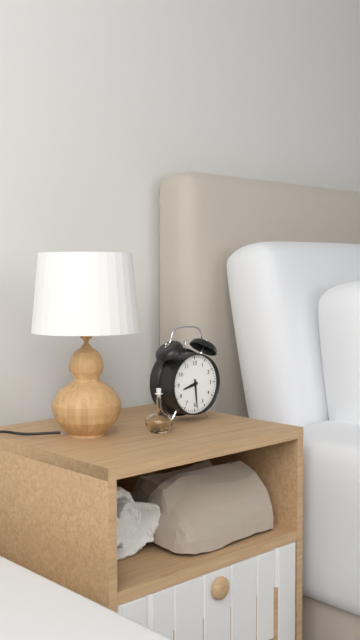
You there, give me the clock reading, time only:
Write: 8:29
